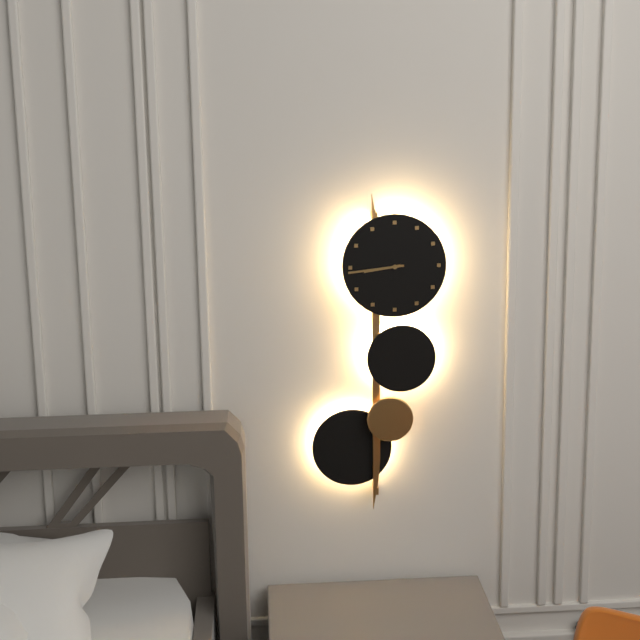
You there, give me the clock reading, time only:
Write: 8:44
